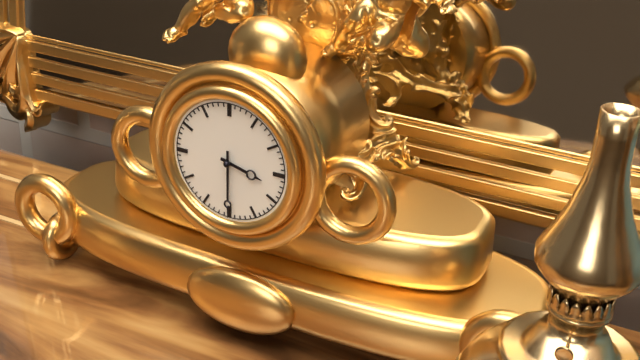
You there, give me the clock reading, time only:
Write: 3:30
